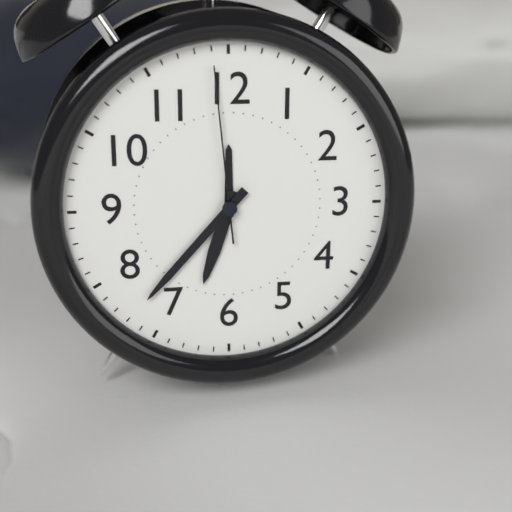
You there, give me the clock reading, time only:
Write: 6:37:59
